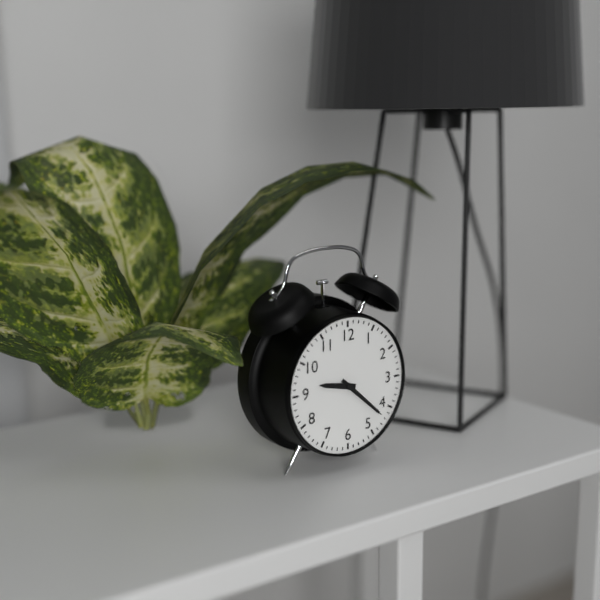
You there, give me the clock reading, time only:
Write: 9:22
